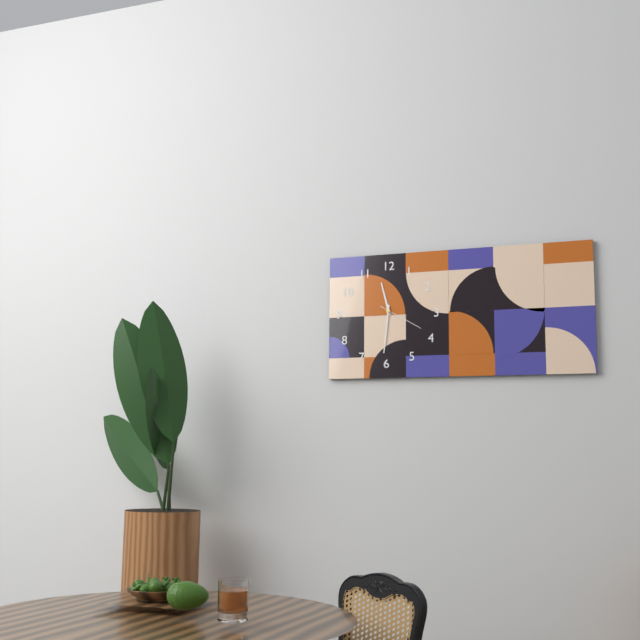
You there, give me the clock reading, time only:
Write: 11:31
